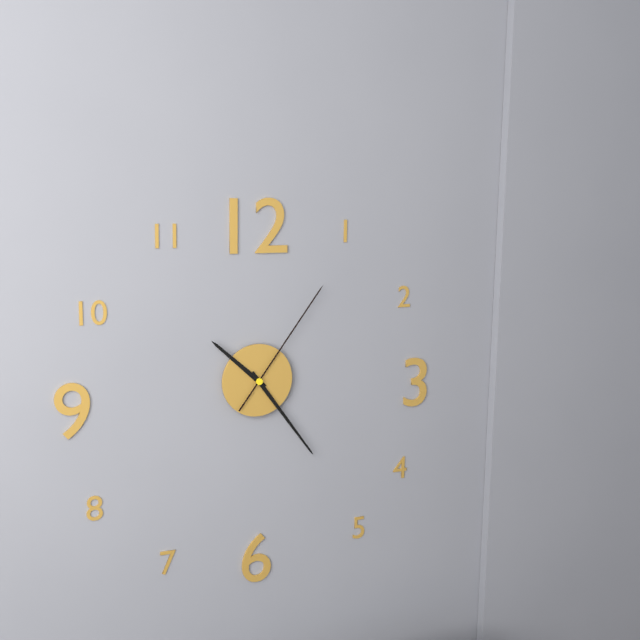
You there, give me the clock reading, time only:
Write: 10:24:06
